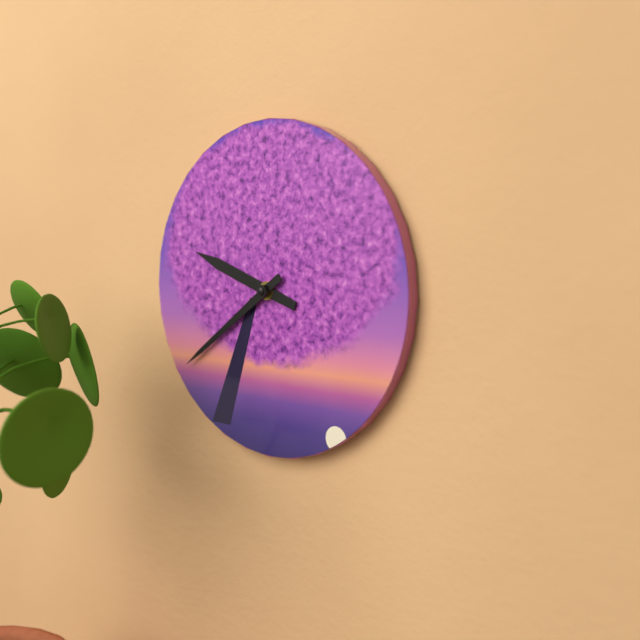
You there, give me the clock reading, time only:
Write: 9:39
